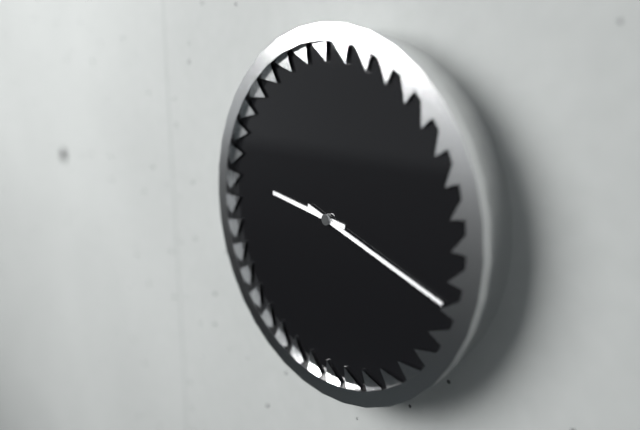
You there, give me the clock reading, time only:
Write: 9:18
